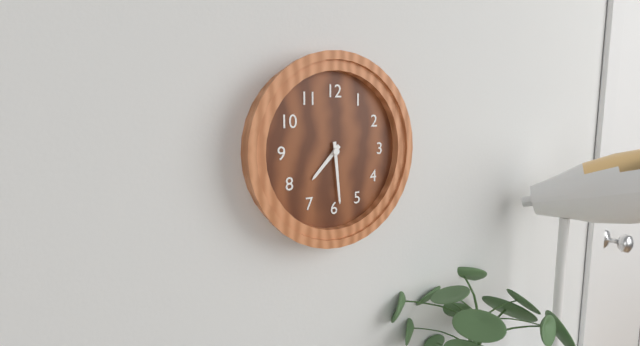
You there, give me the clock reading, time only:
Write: 7:29
